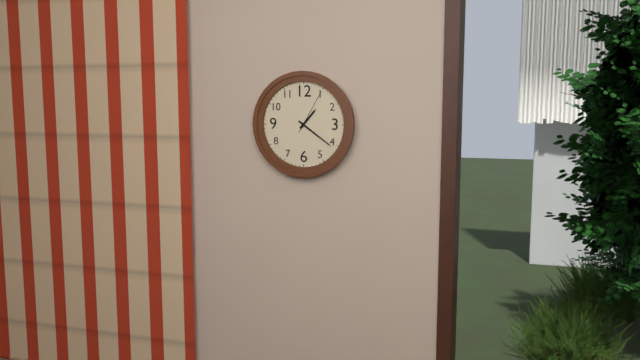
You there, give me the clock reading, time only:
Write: 1:21
